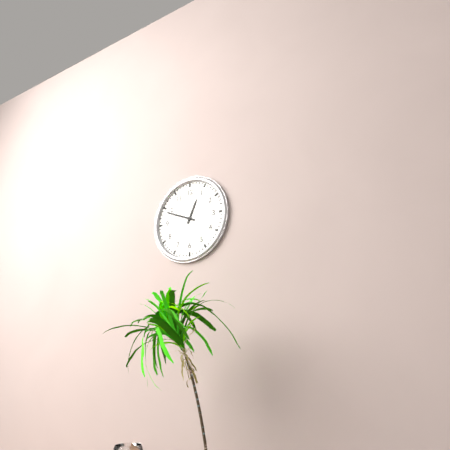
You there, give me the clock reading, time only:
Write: 12:49
